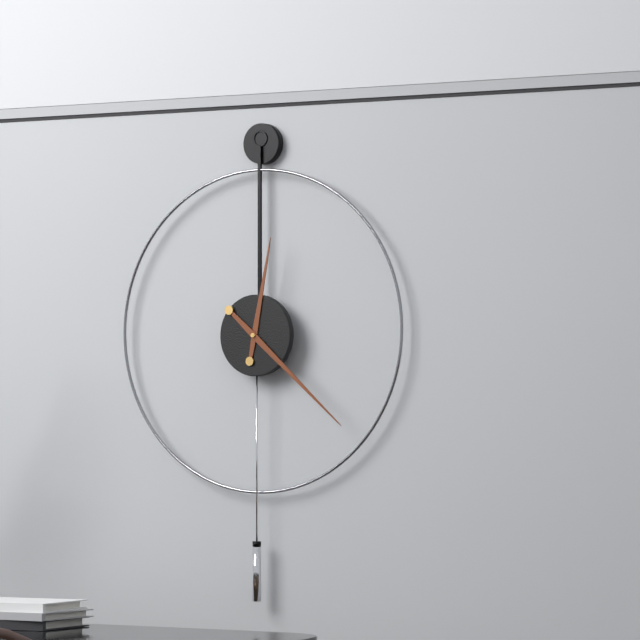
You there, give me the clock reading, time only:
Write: 12:22
